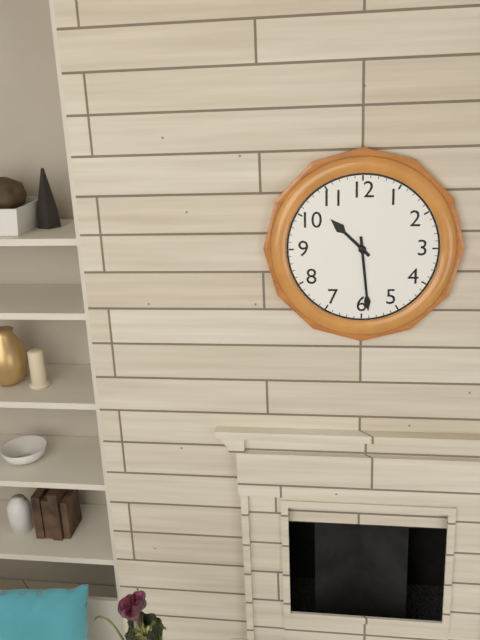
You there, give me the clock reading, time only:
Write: 10:29
